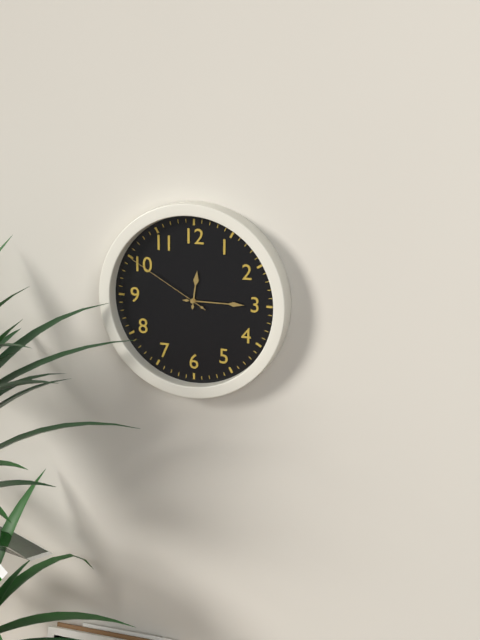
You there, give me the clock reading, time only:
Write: 12:15:50
